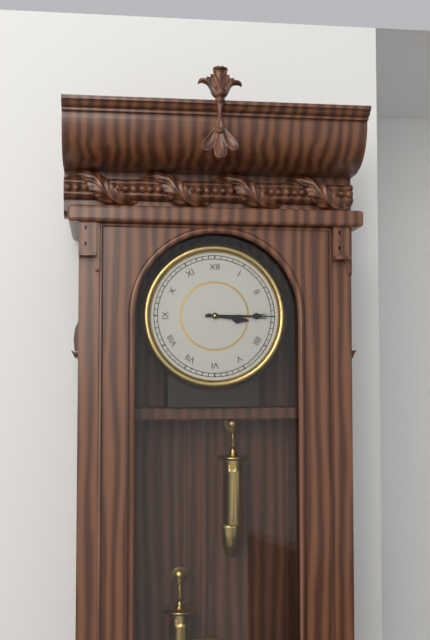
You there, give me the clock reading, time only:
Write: 3:15
